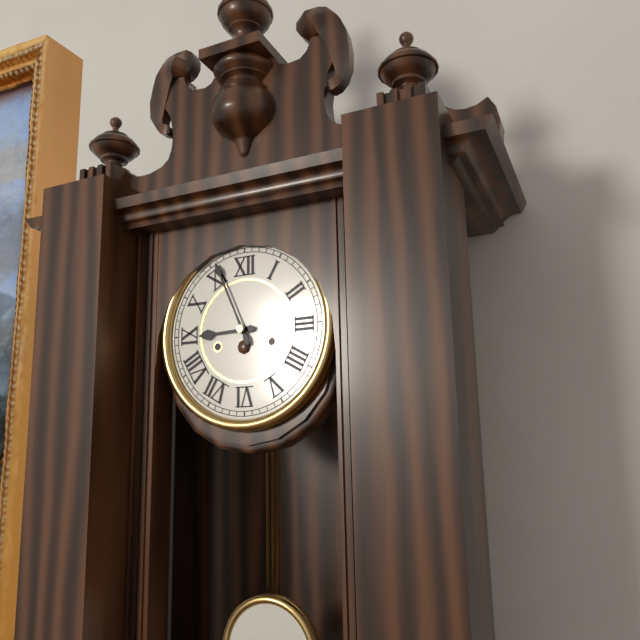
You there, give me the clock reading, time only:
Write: 8:56
